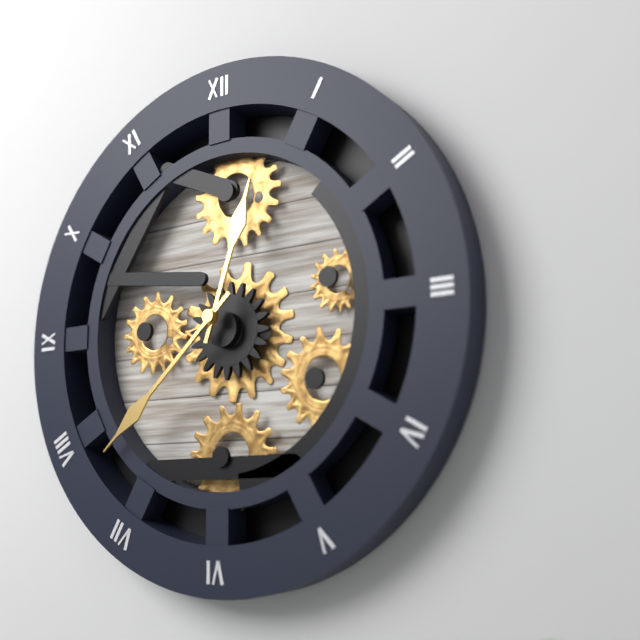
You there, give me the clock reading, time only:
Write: 12:38
